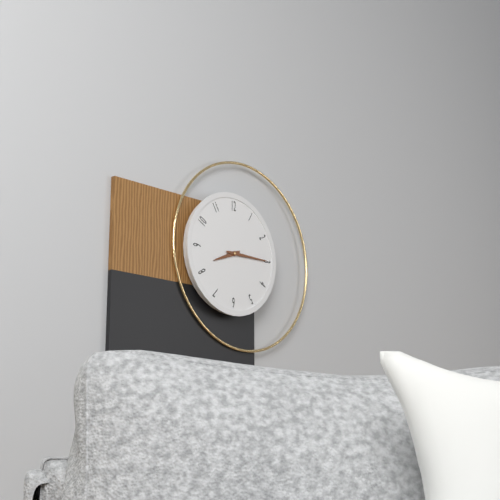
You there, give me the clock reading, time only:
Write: 8:15
